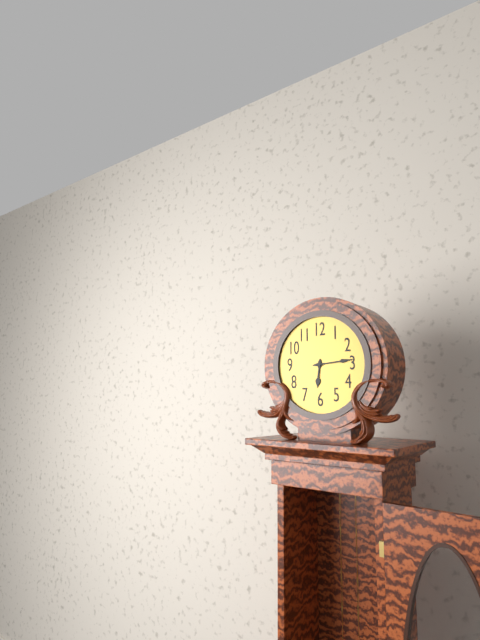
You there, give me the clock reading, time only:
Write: 6:14
